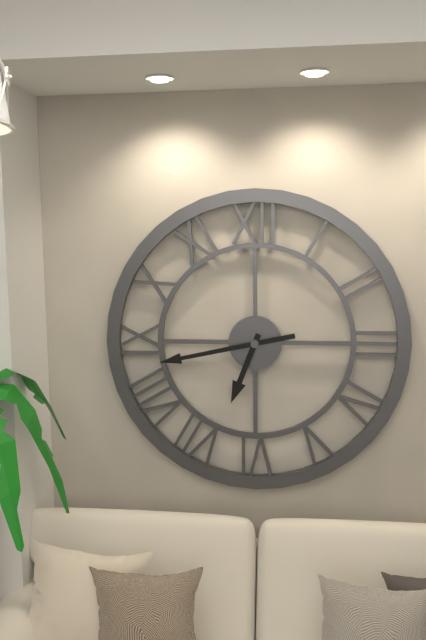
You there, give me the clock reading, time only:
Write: 6:43
